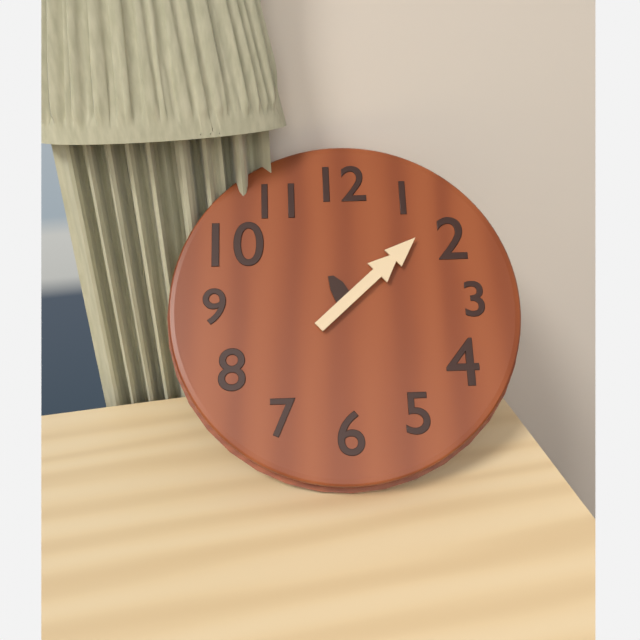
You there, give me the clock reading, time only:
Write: 11:08
